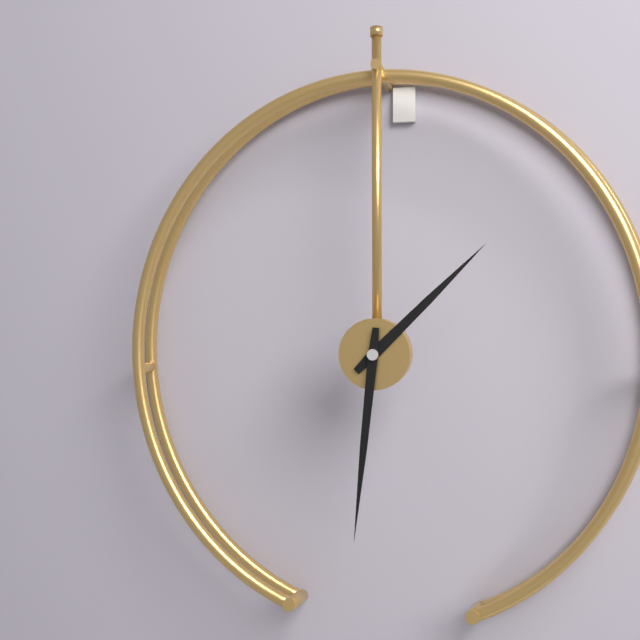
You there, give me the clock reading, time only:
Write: 1:31
